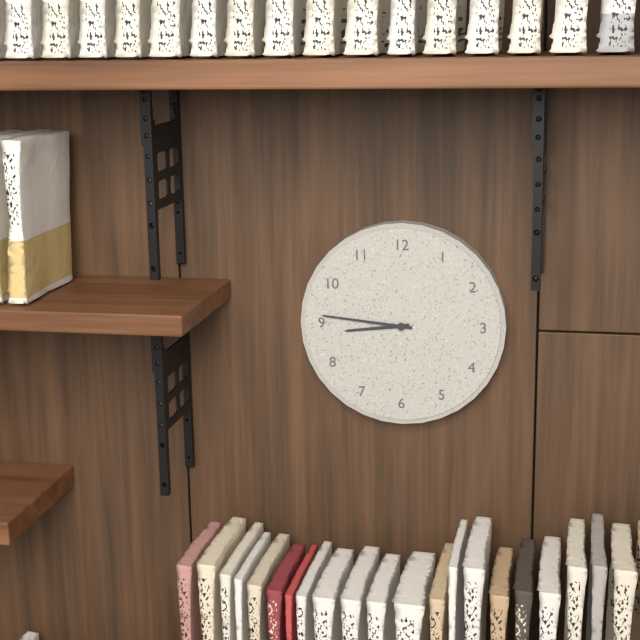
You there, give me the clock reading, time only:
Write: 8:46
